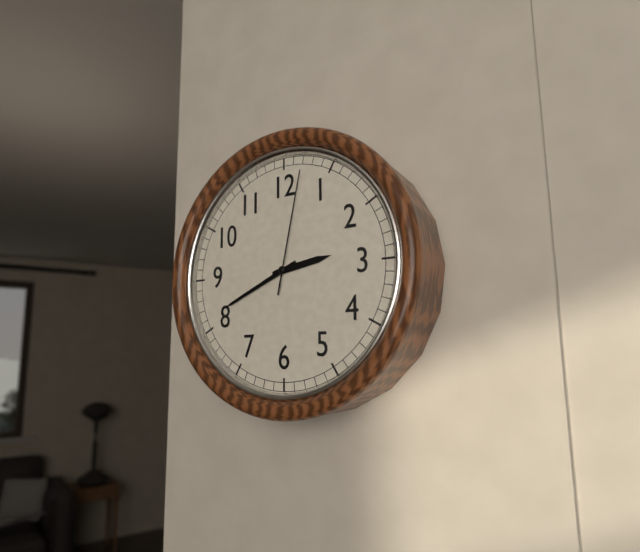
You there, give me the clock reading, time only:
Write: 2:41:02
